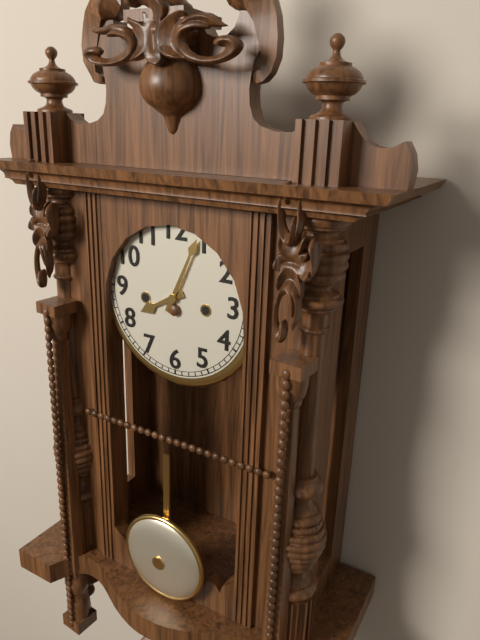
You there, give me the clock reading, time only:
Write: 8:04
